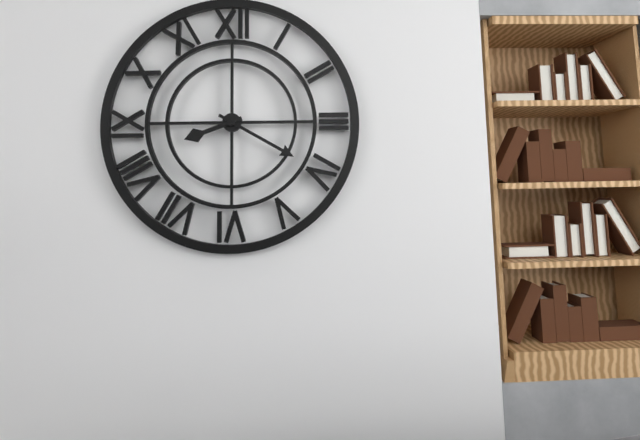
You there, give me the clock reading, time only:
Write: 8:20
